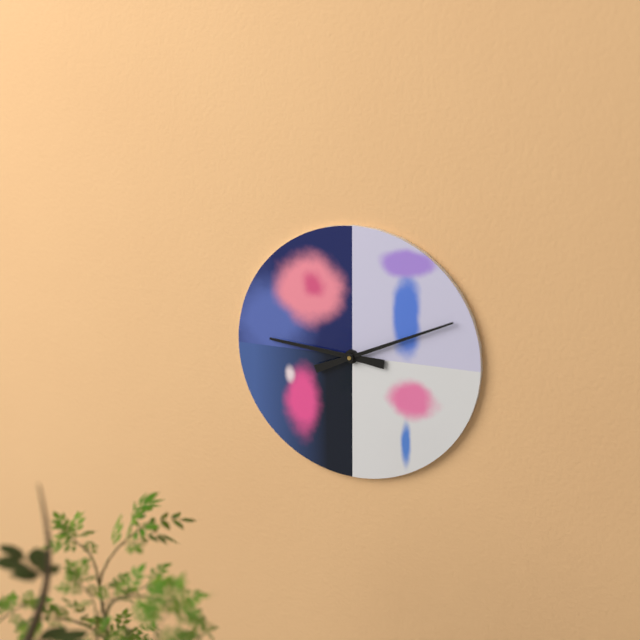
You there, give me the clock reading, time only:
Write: 9:11
